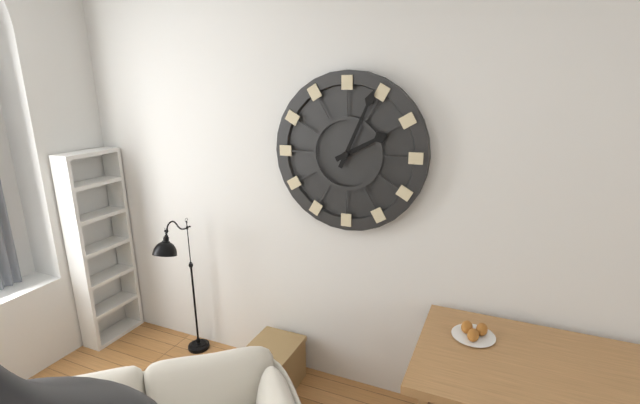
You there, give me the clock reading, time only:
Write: 2:04
